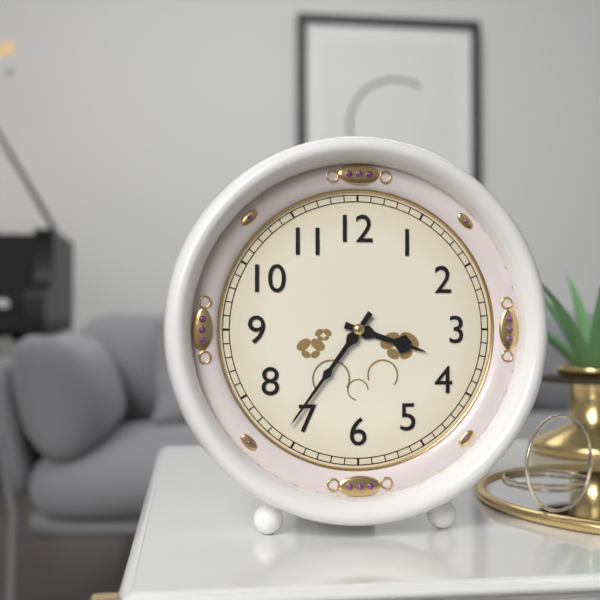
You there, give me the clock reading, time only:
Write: 3:36
